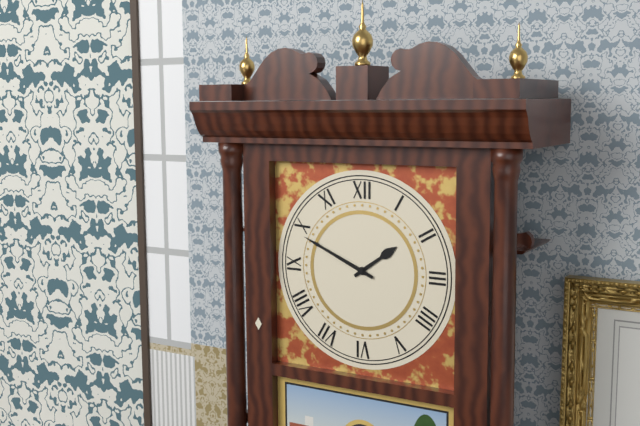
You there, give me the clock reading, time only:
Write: 1:49
